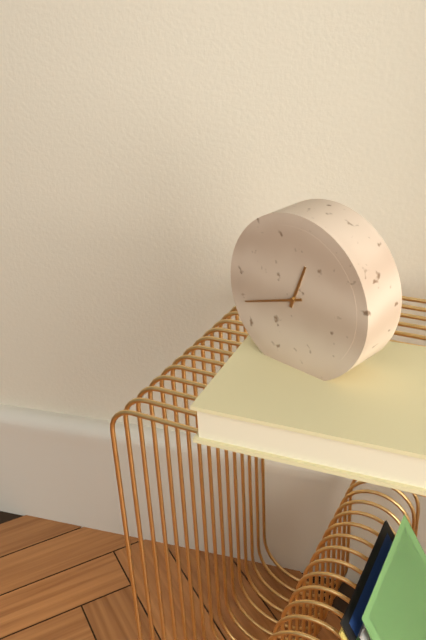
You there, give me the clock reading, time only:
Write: 12:42
